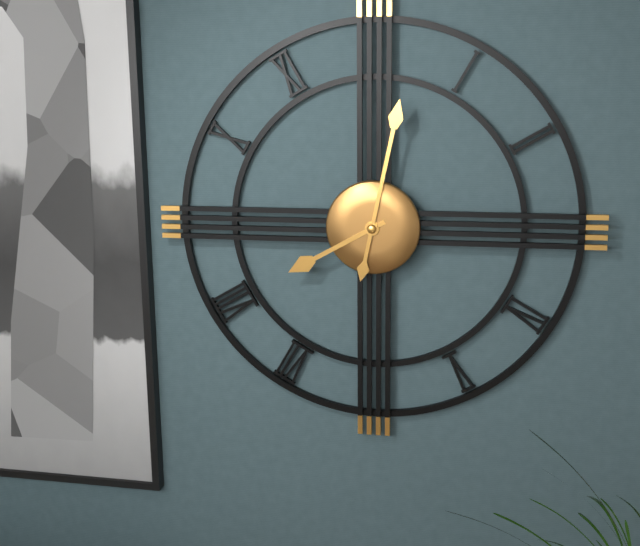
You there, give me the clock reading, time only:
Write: 8:02
